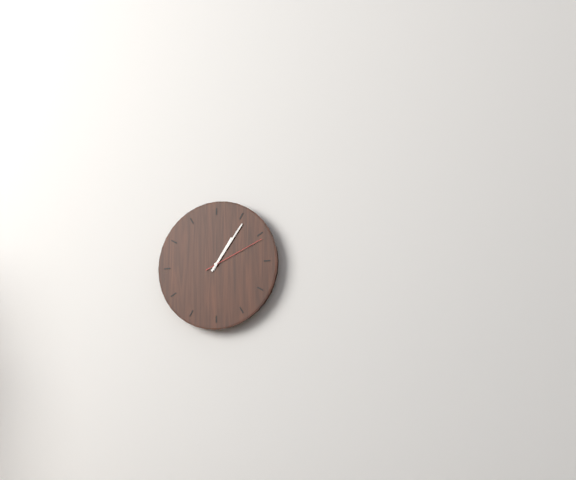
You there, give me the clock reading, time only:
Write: 1:06:11
